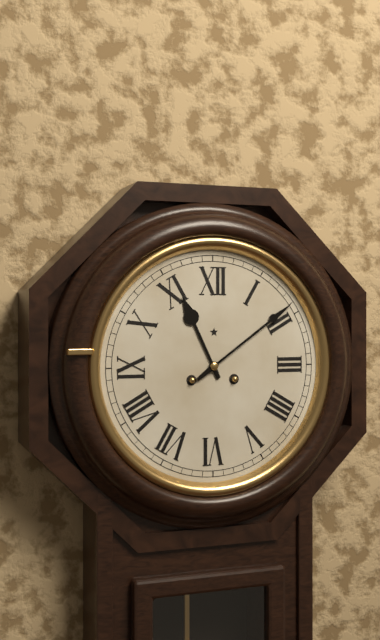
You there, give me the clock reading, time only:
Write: 11:09
